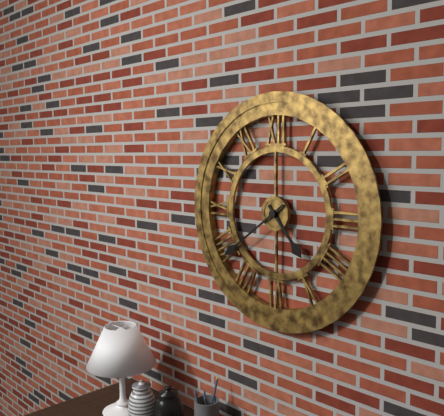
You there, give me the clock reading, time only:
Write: 4:39
